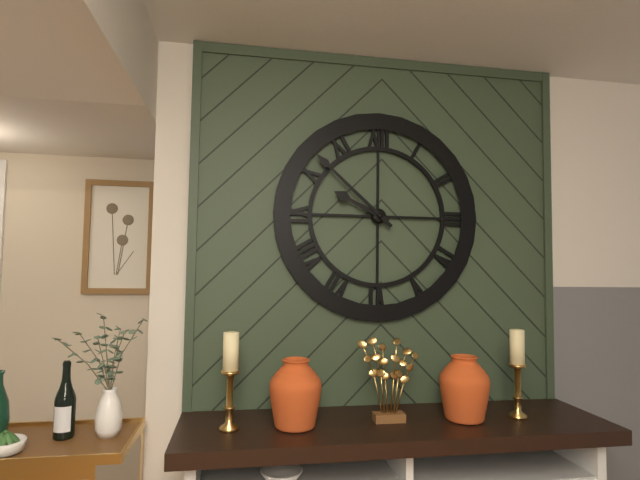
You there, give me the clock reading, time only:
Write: 9:52
